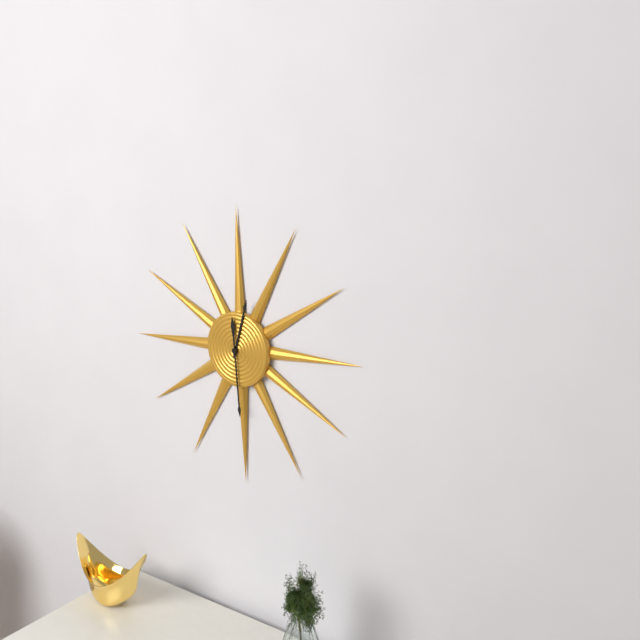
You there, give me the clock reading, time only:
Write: 12:29
